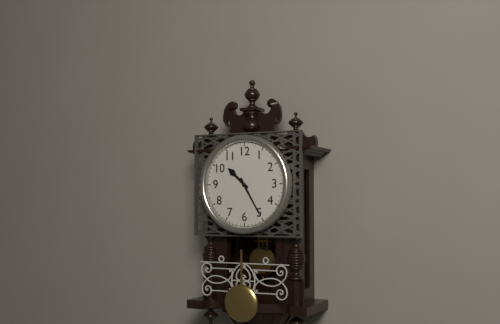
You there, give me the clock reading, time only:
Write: 10:25
